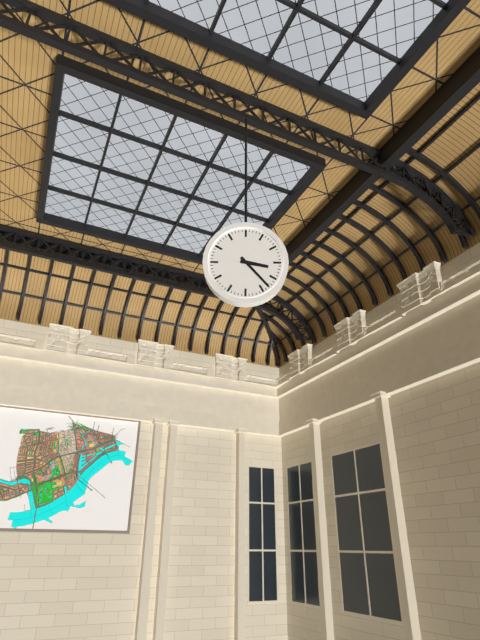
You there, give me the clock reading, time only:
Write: 3:23
